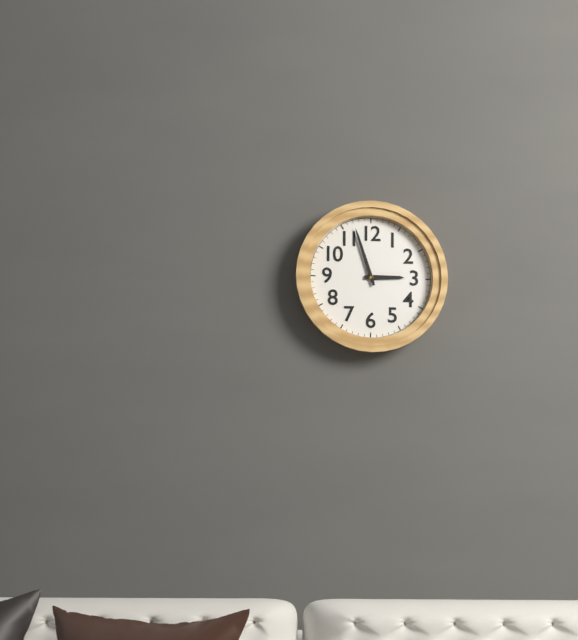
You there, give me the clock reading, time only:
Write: 2:57
